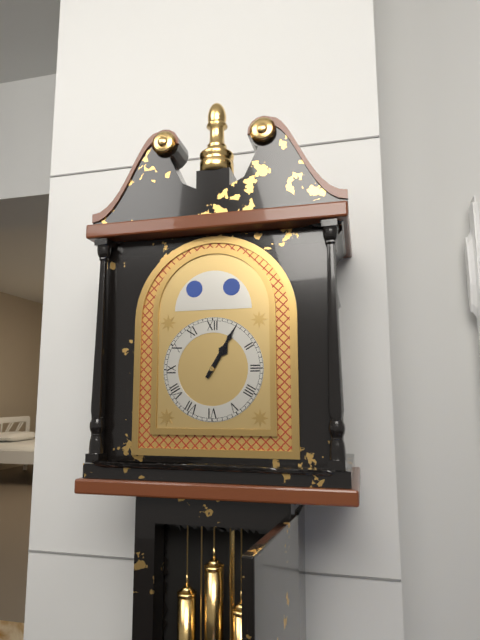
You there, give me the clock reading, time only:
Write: 1:05
